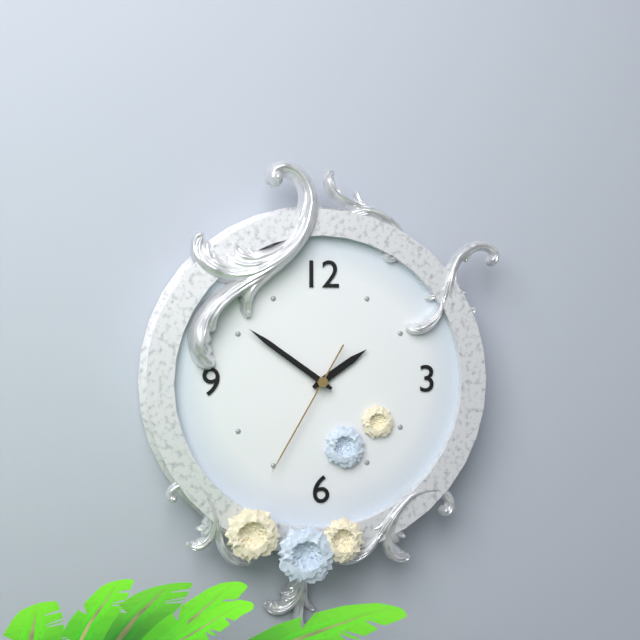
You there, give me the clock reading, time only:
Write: 1:51:35
